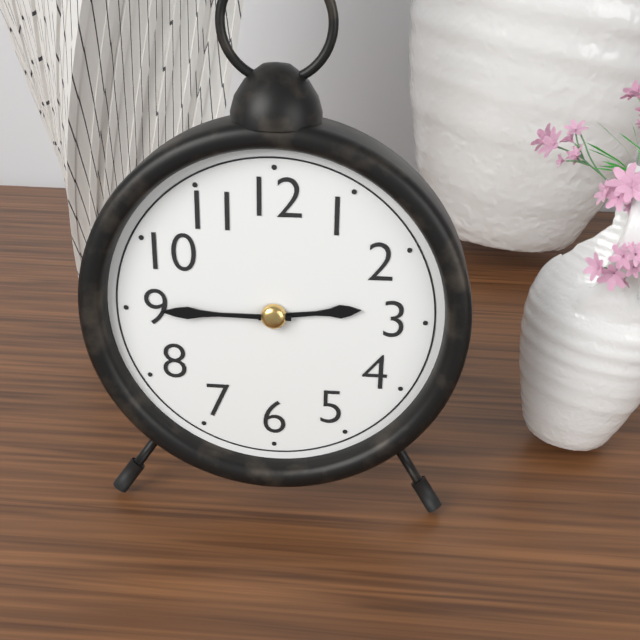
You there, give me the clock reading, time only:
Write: 2:45
